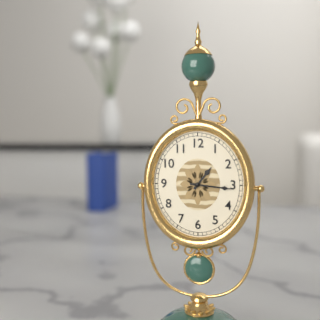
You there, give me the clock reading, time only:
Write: 1:16
